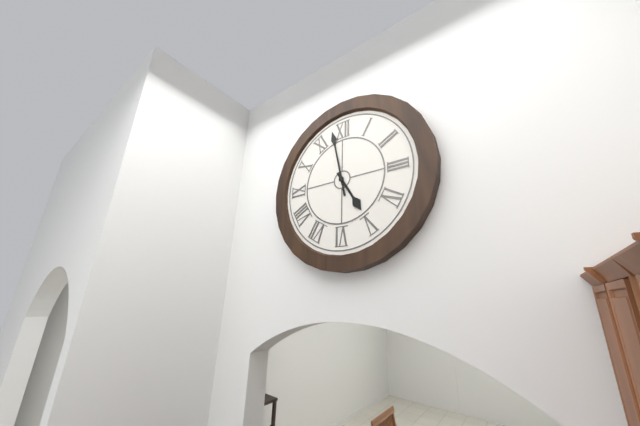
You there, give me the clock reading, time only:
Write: 4:58
